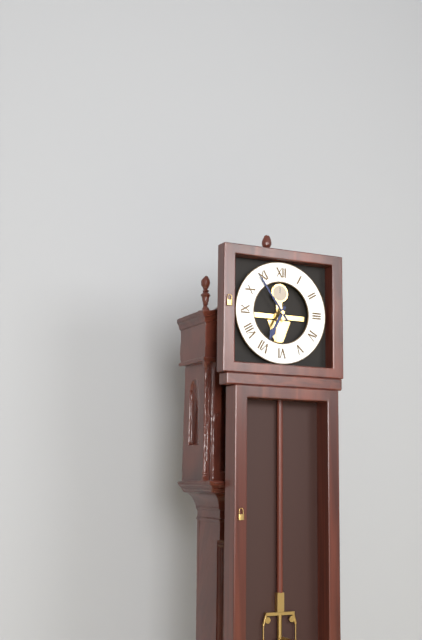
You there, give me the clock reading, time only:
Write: 6:54
